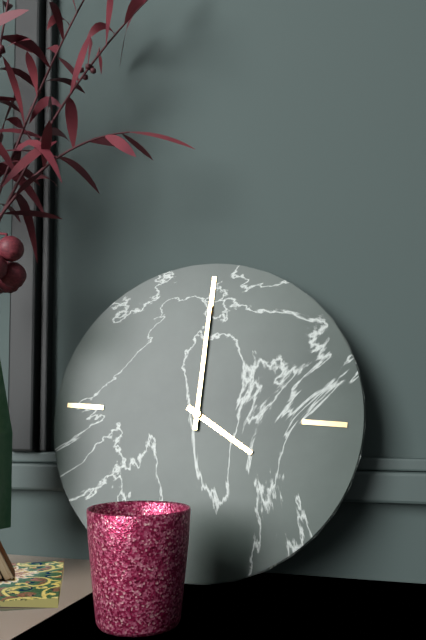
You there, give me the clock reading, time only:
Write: 4:00
